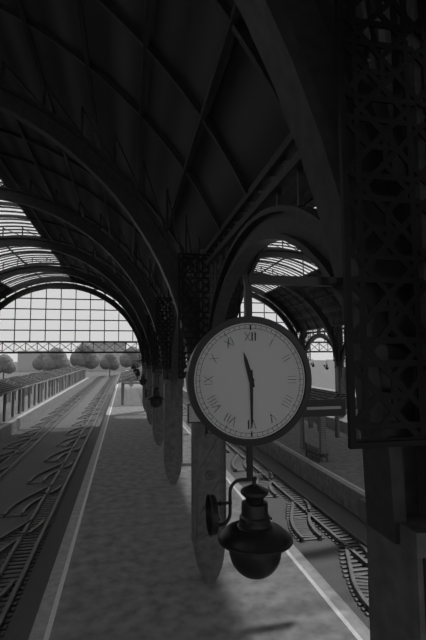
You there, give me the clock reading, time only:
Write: 11:30
